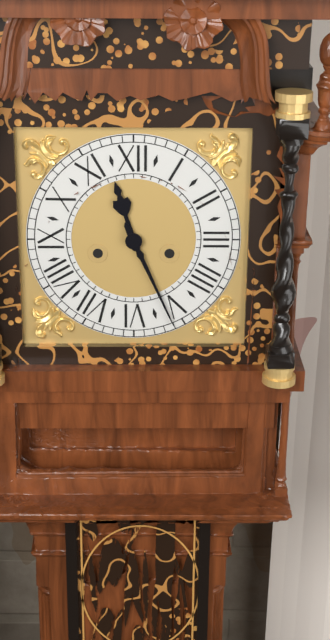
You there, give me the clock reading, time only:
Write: 11:26
